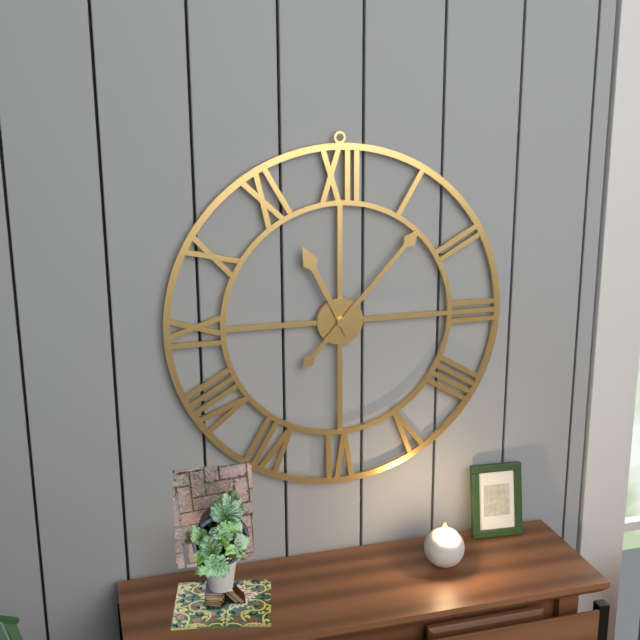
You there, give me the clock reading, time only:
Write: 11:07
